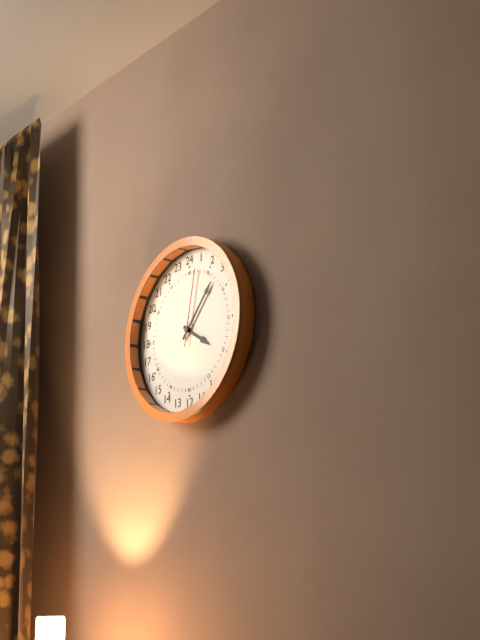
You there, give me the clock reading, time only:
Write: 4:07:02
